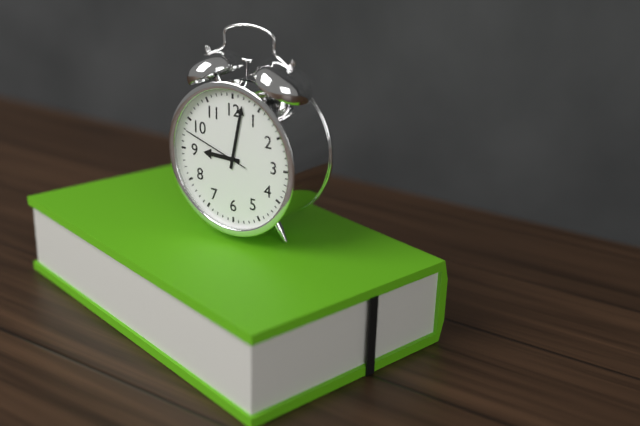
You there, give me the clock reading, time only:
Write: 9:02:48
